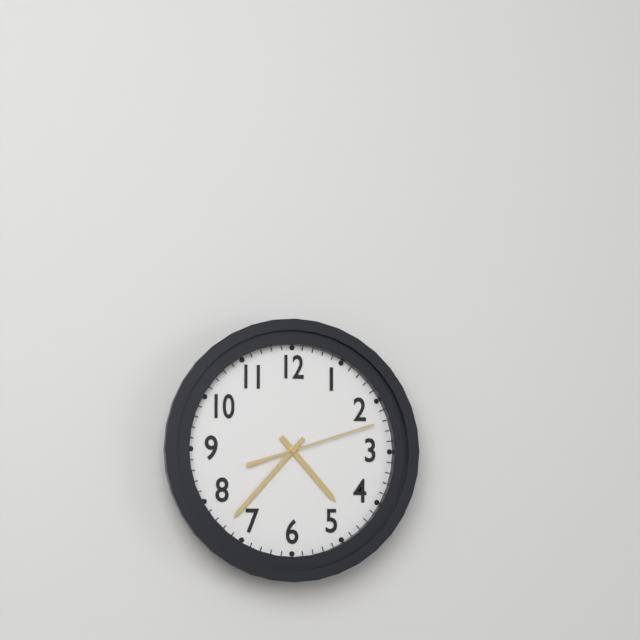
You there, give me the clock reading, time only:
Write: 4:37:12
